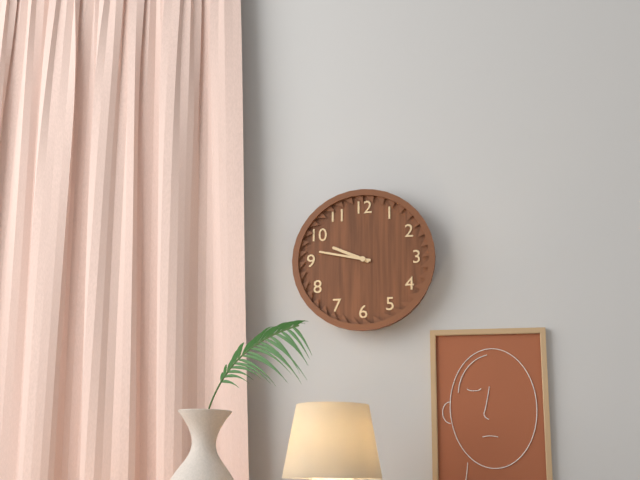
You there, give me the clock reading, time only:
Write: 9:47
